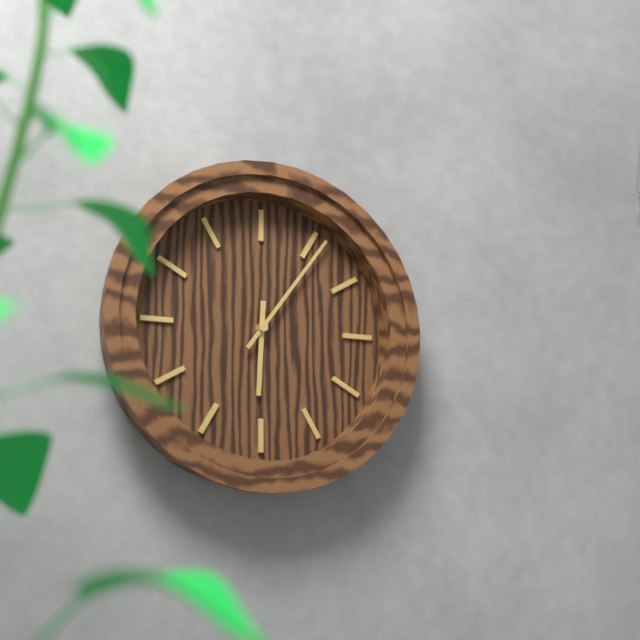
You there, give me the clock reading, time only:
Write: 6:06
